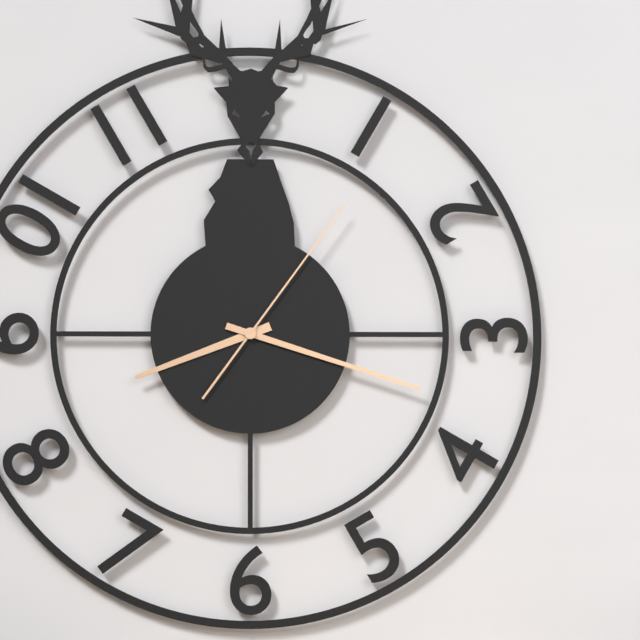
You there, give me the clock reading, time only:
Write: 8:18:06
